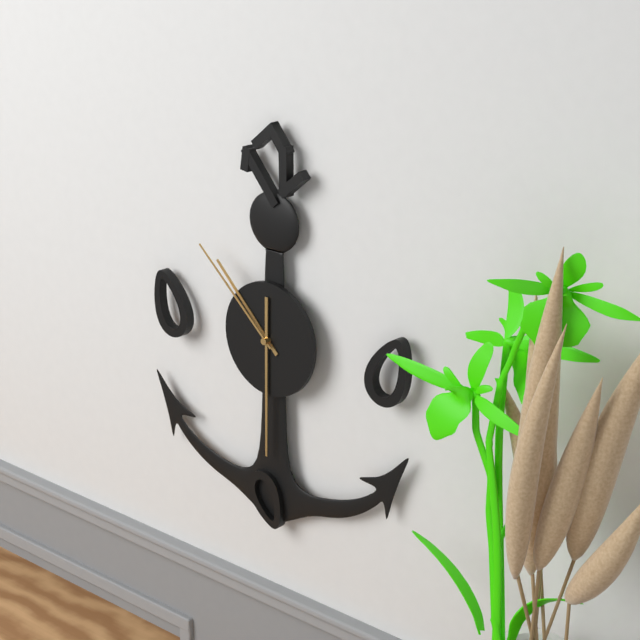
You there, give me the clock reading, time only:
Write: 10:30:52
